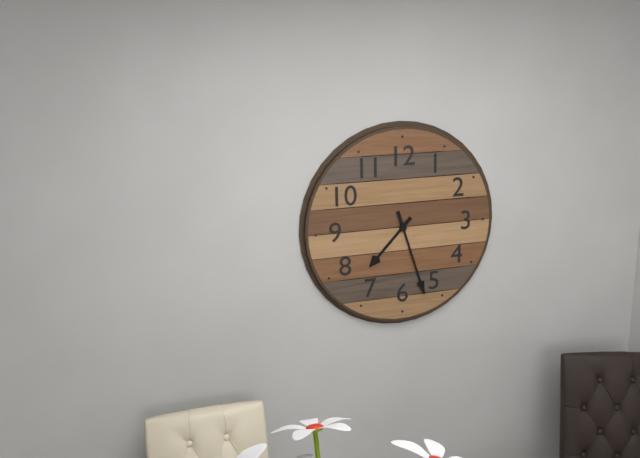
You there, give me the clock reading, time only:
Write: 7:27
